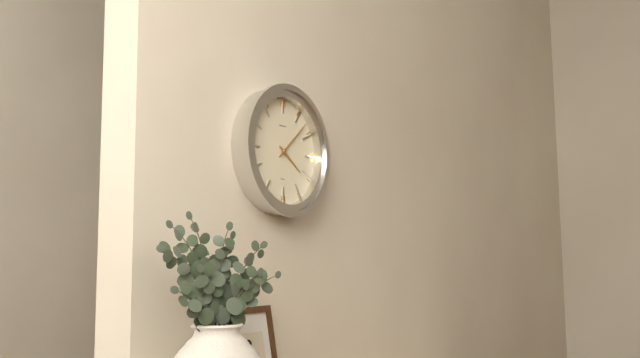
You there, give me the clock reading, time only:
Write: 4:08
